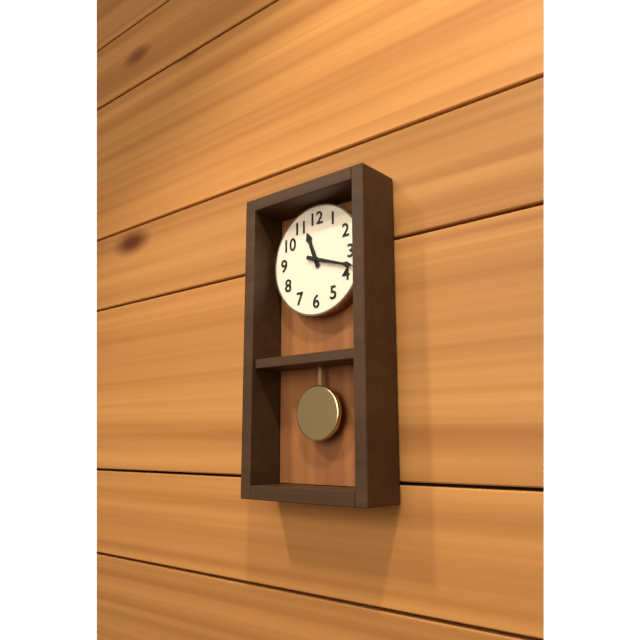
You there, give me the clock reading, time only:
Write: 11:18
